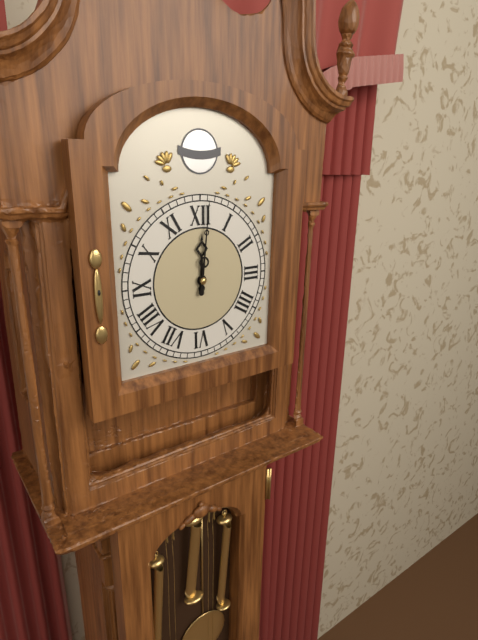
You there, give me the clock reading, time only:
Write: 12:01
